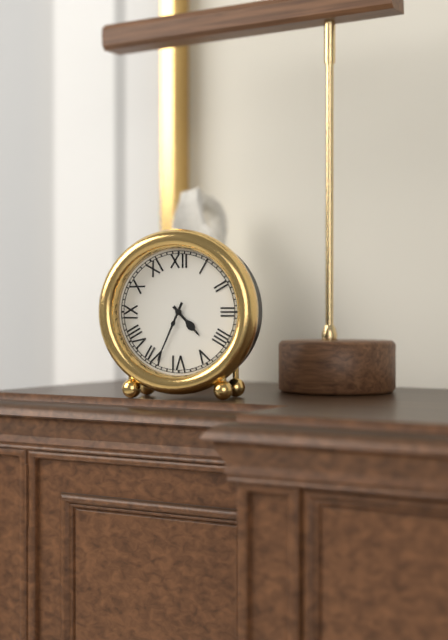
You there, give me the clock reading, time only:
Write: 4:34
